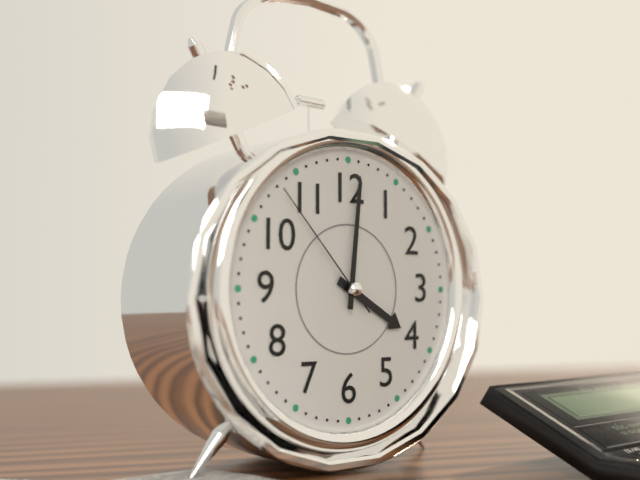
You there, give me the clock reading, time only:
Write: 4:01:53
